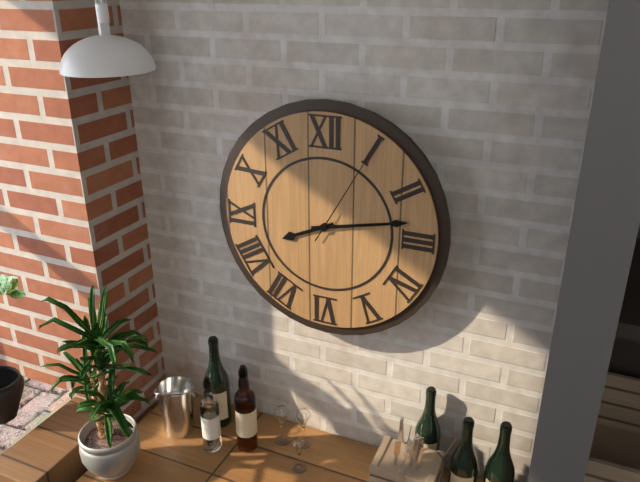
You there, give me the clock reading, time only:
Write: 8:13:05
